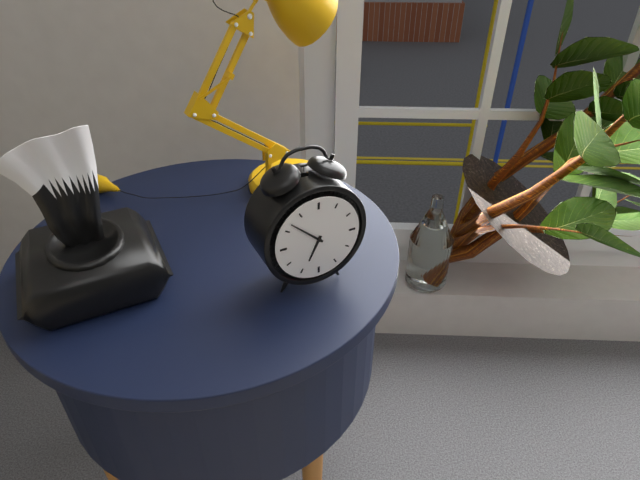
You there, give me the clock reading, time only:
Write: 6:52
